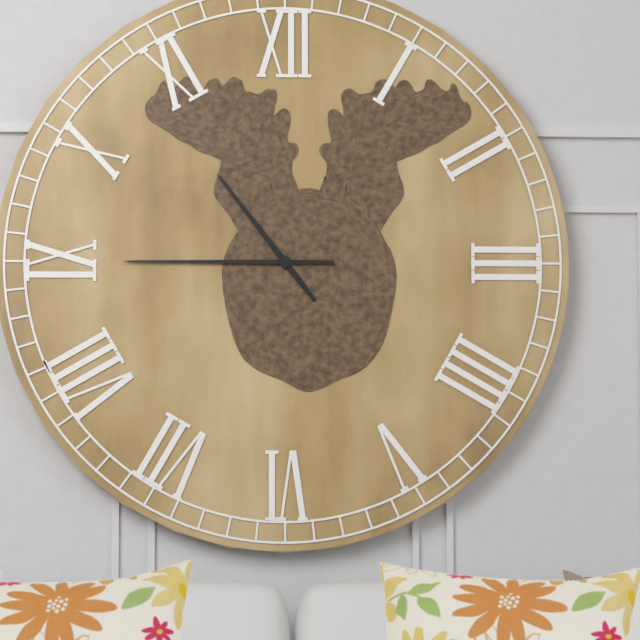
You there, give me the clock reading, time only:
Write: 10:45
